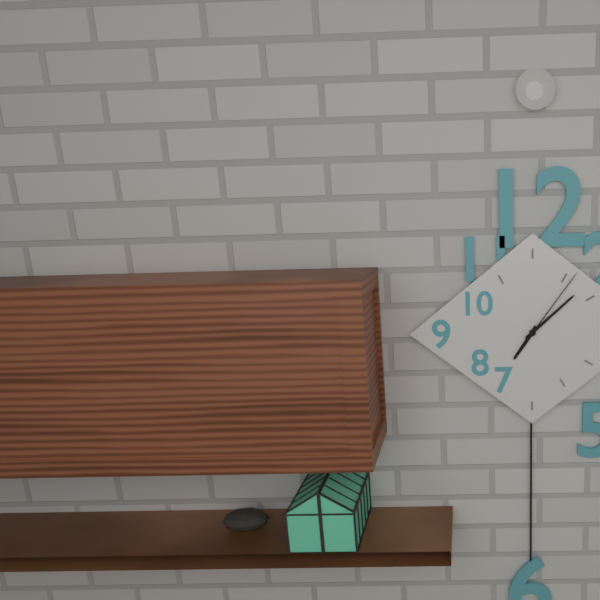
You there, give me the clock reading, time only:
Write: 7:08:06
